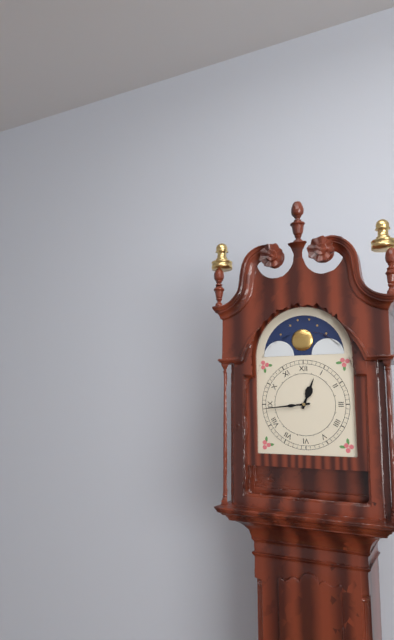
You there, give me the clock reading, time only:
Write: 12:44
